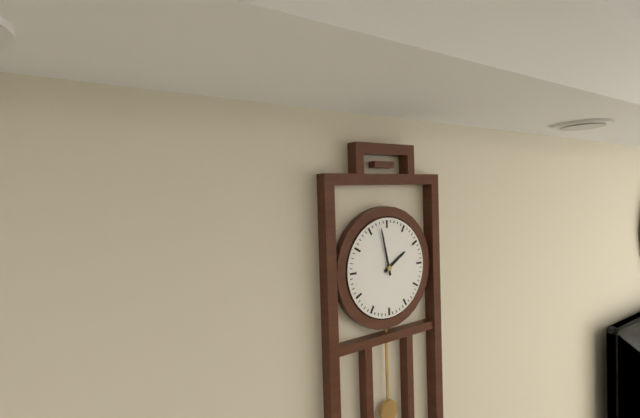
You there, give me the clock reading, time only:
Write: 1:58
